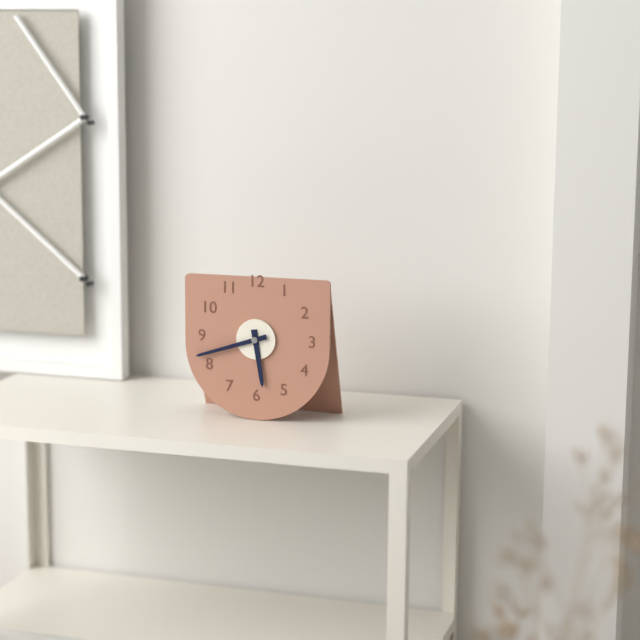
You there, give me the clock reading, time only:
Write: 5:42
